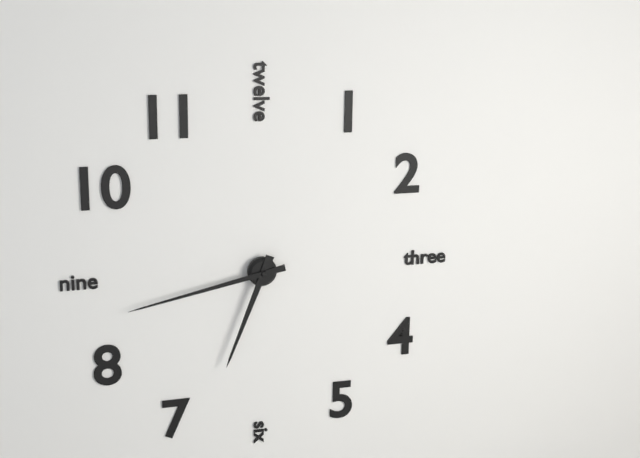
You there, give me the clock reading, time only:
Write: 6:43
